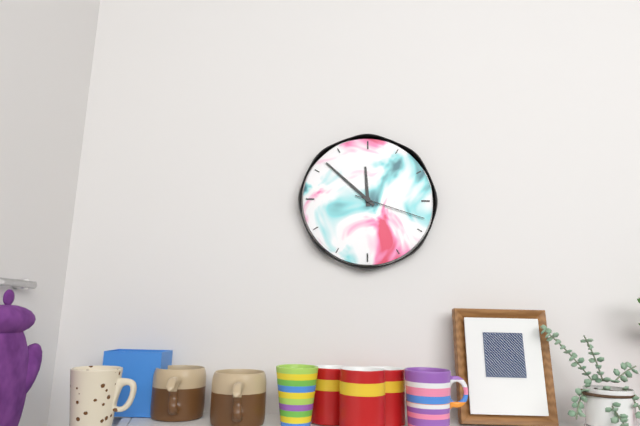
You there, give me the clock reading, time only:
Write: 11:52:18
